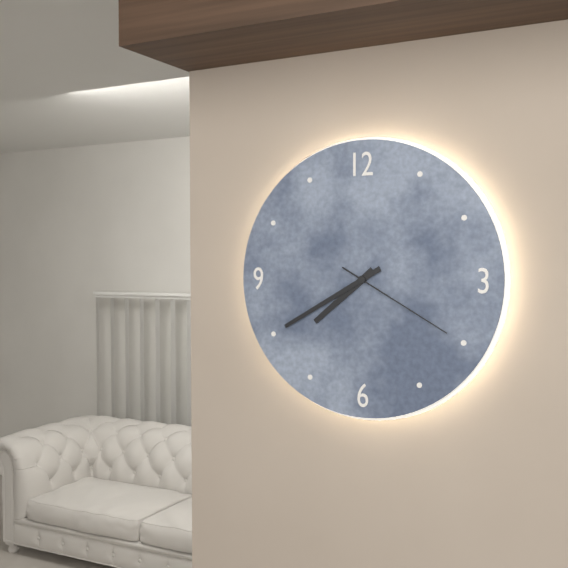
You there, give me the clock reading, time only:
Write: 7:40:20
